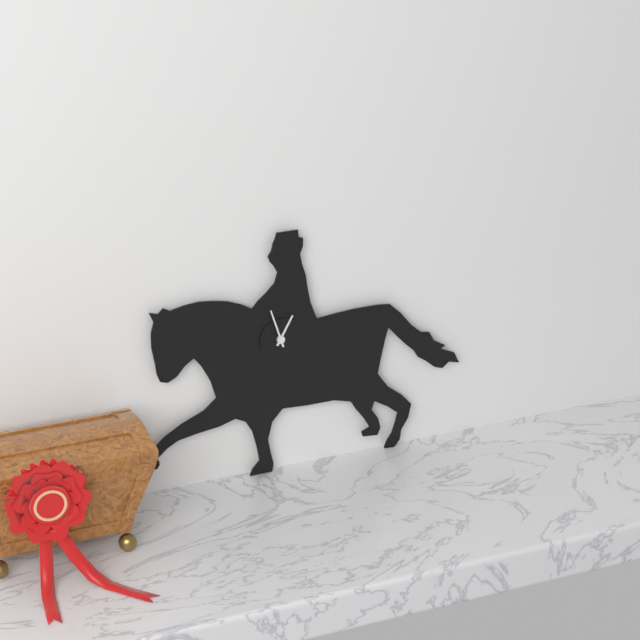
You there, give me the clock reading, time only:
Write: 12:57
